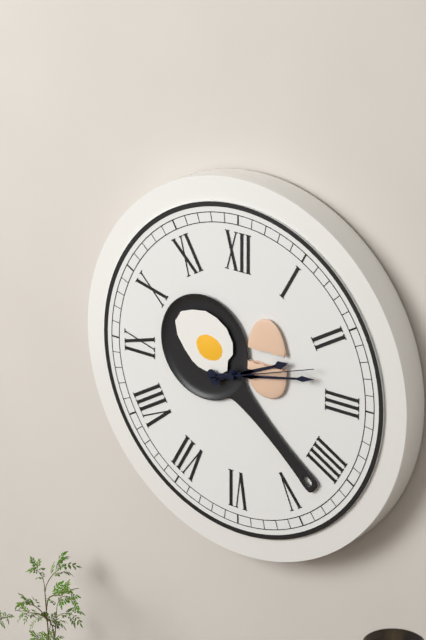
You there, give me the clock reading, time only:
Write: 2:13:12
